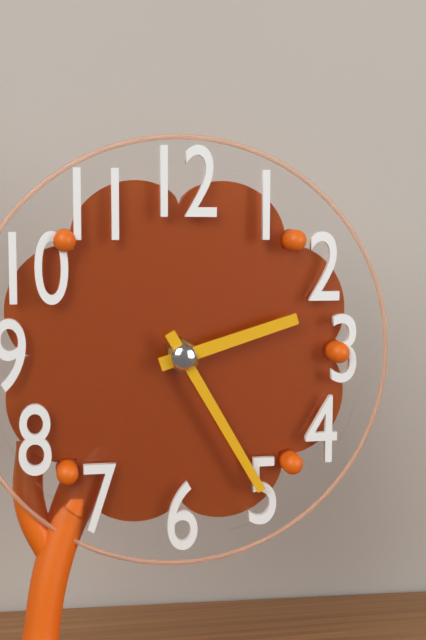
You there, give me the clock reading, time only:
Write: 2:25
